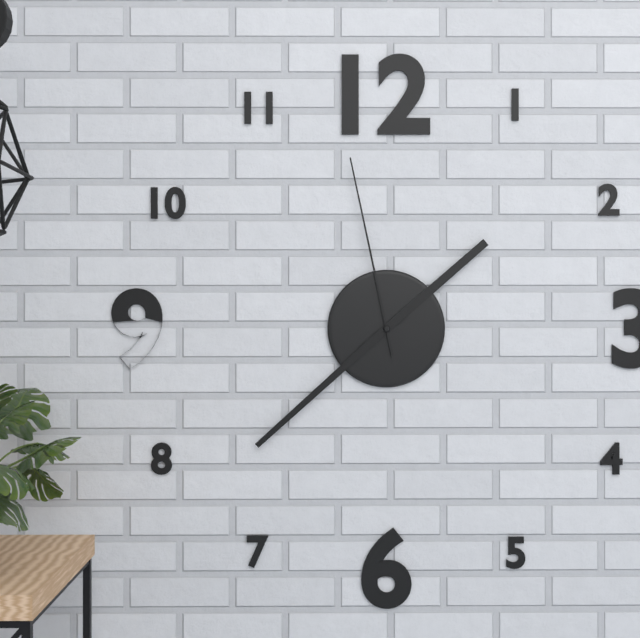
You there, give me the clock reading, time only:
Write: 1:38:58
